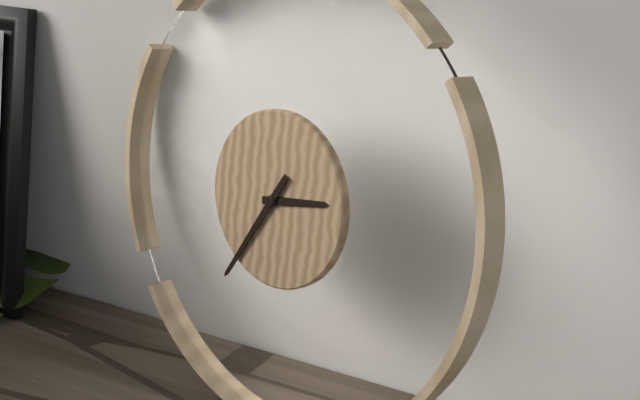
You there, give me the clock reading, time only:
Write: 2:35
